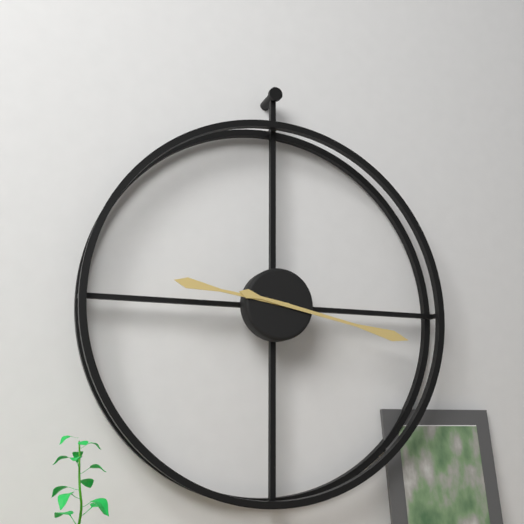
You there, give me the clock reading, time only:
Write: 9:17
